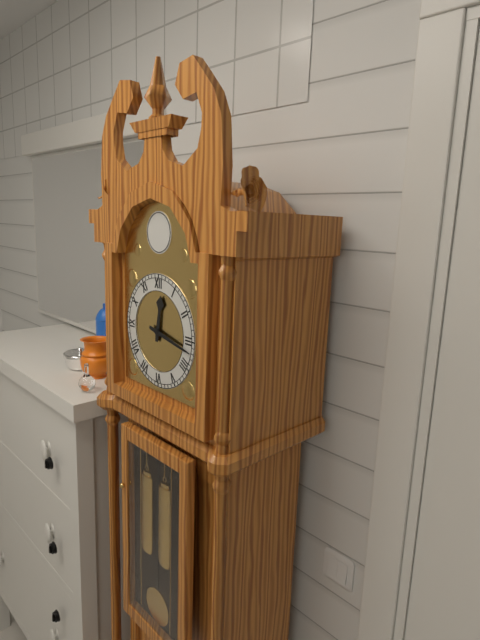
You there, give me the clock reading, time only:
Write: 12:17
